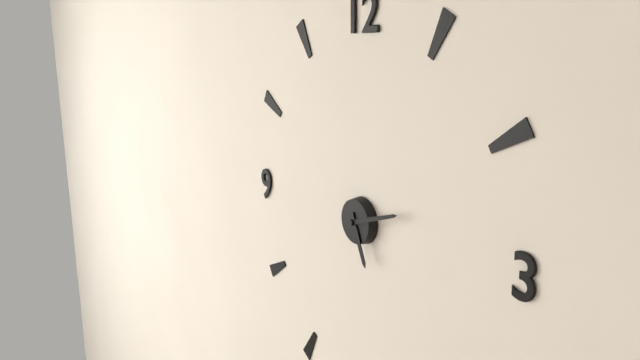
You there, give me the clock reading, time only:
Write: 5:12
